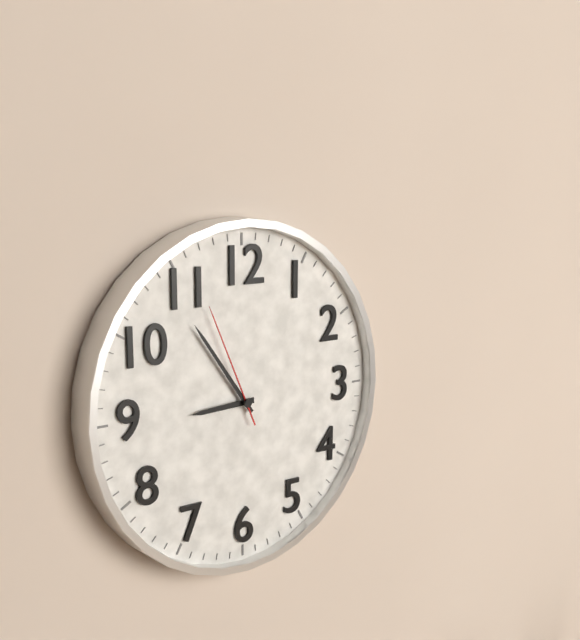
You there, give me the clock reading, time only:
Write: 8:54:56
